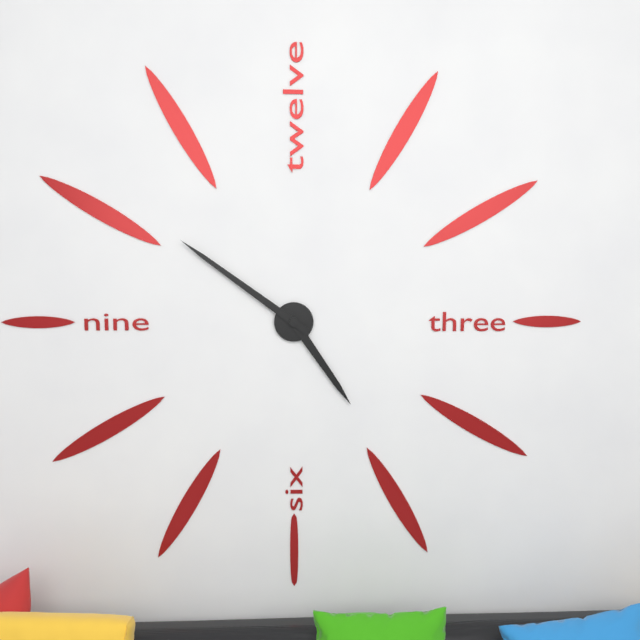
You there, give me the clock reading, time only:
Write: 4:51
